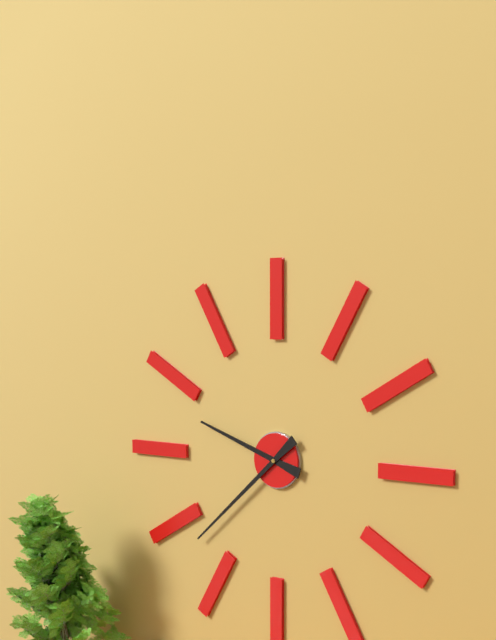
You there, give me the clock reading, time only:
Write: 9:38
